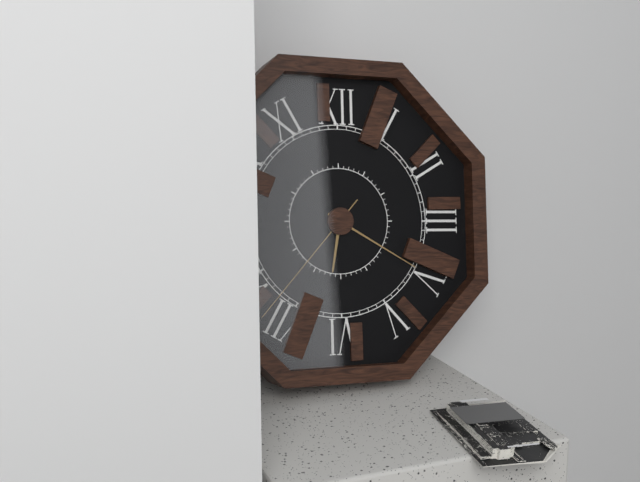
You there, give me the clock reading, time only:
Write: 6:20:37
